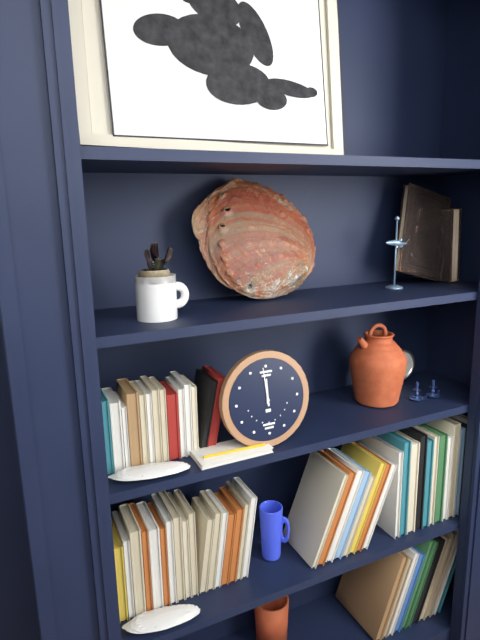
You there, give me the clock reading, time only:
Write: 11:59
